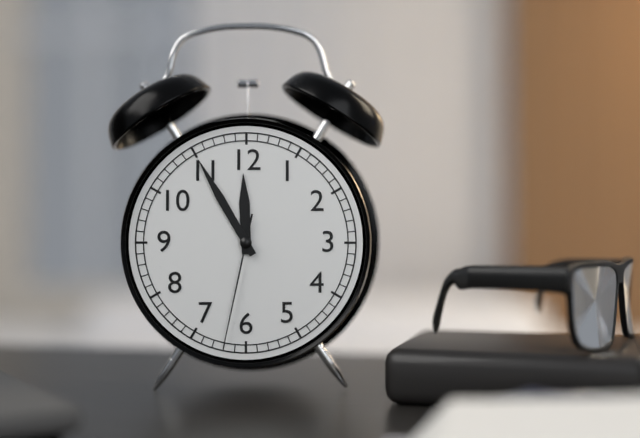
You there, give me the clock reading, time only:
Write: 11:55:32
